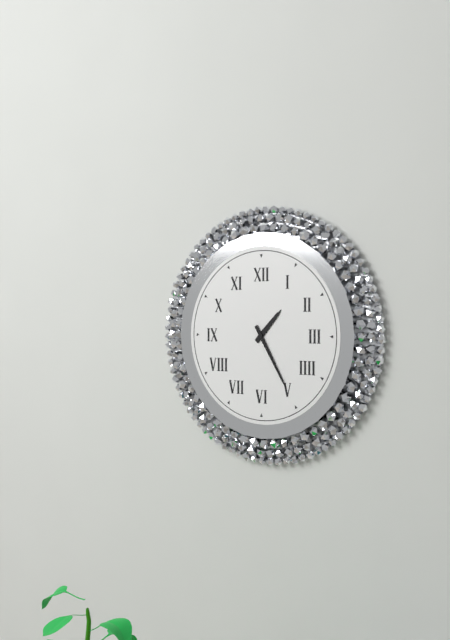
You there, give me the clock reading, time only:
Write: 1:25
